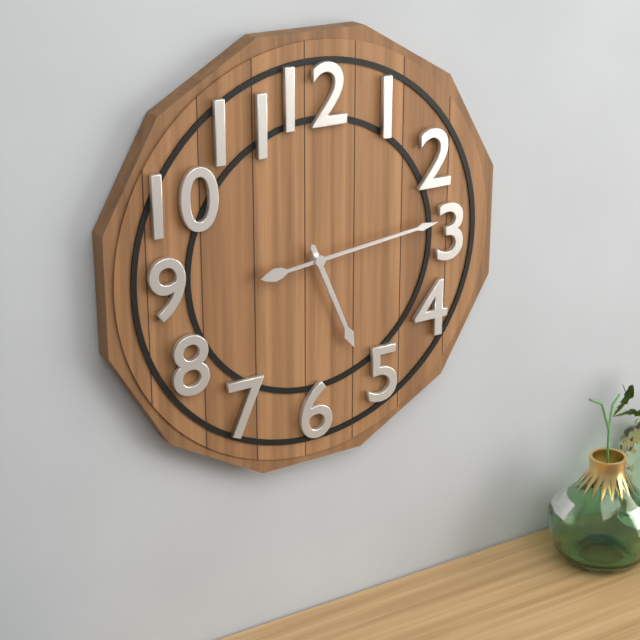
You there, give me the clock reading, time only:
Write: 5:14
